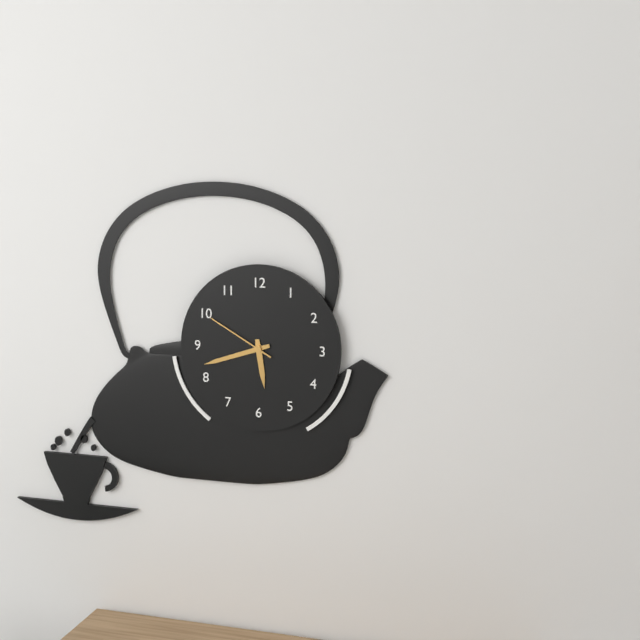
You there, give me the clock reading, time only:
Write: 5:42:50
